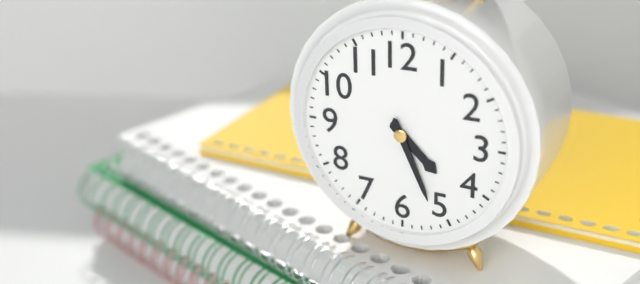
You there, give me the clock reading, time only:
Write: 4:26
